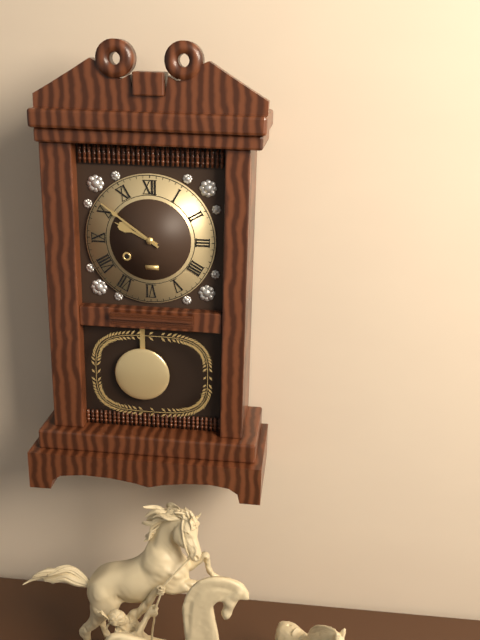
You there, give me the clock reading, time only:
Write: 9:51
